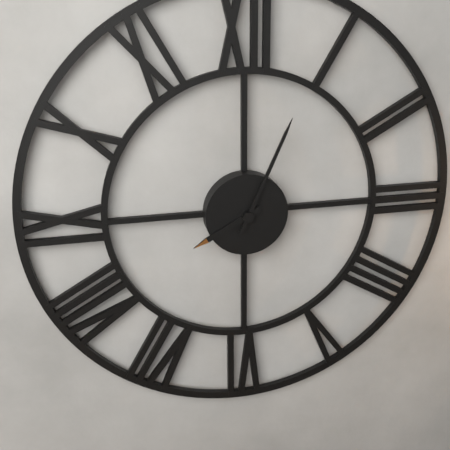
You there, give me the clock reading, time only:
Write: 8:04
